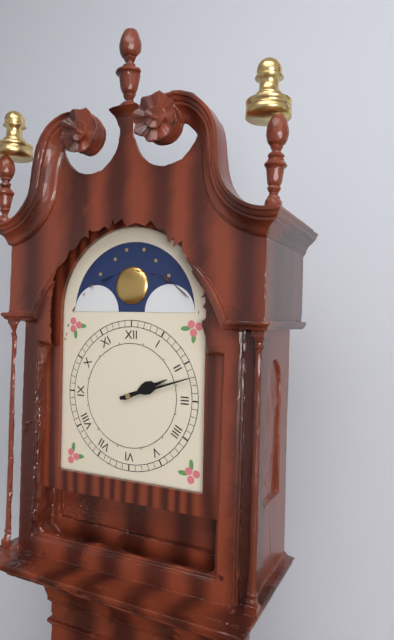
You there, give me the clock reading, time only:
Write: 2:12
